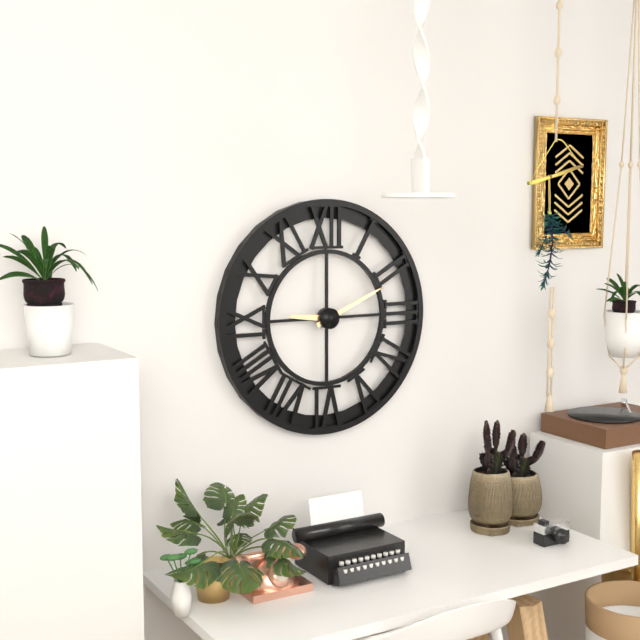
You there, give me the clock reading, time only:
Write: 9:11
